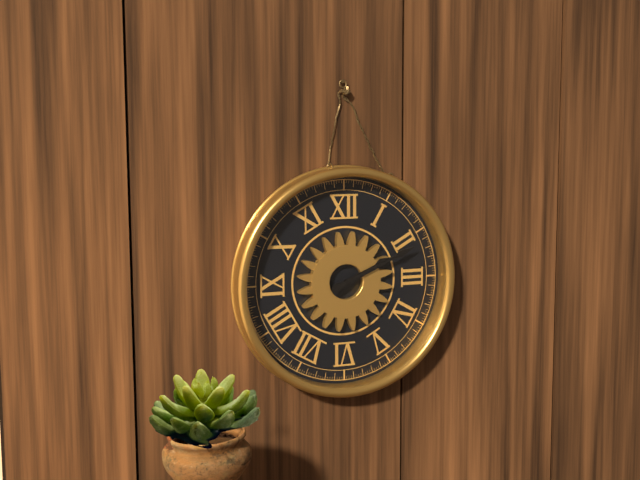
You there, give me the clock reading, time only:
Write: 2:11
